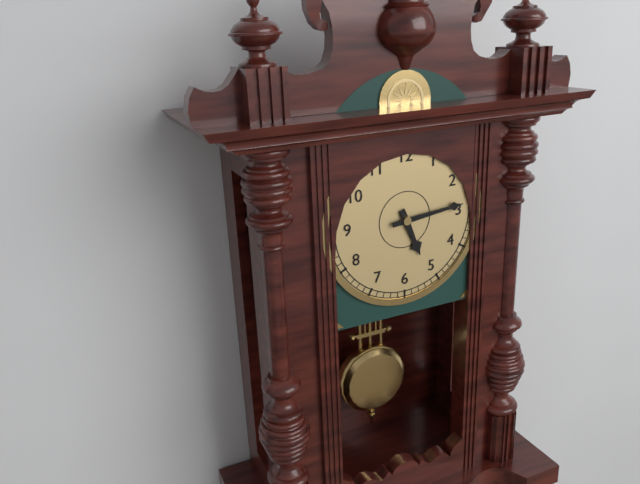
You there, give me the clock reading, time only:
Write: 5:14
